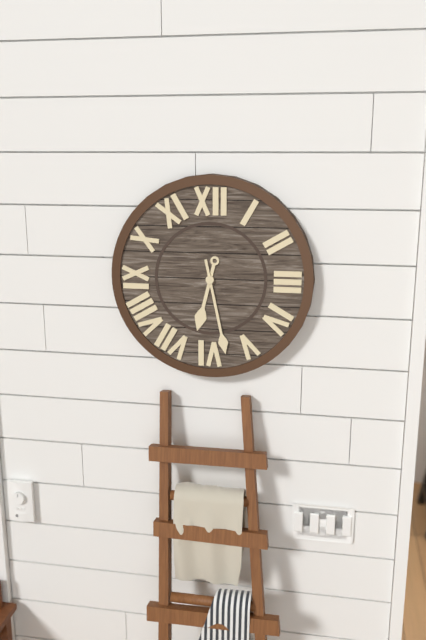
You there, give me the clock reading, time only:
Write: 6:28
